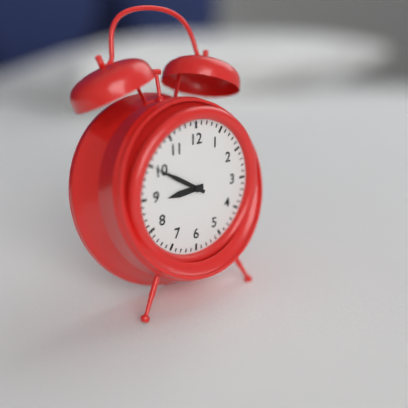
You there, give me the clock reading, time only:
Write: 8:50
